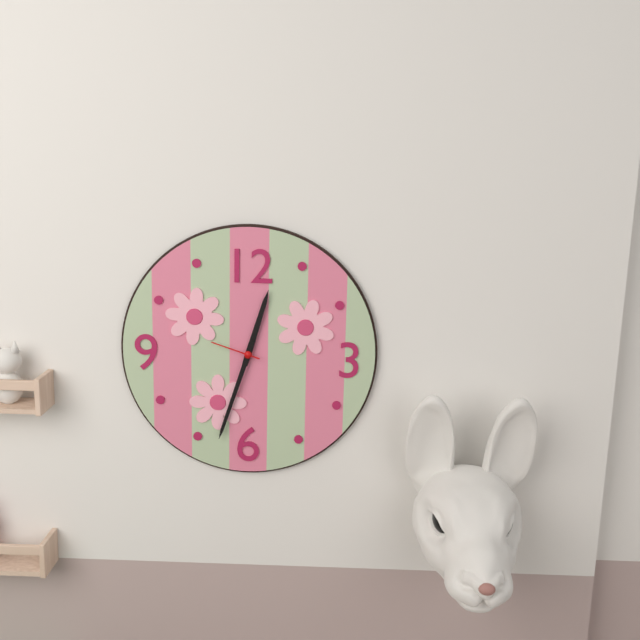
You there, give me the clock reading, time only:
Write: 12:33
